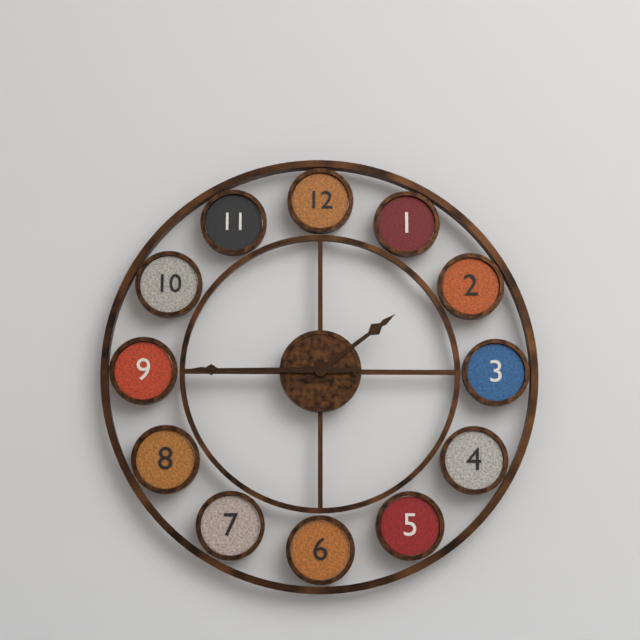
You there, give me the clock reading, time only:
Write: 1:45
